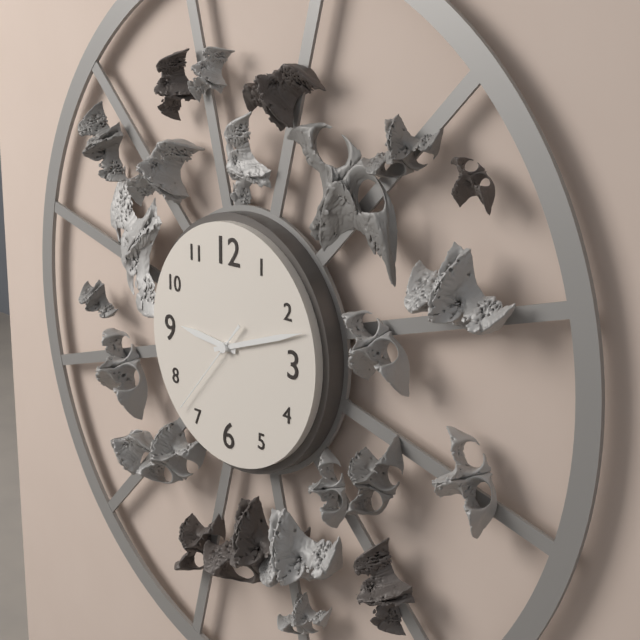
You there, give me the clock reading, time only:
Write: 9:12:37
